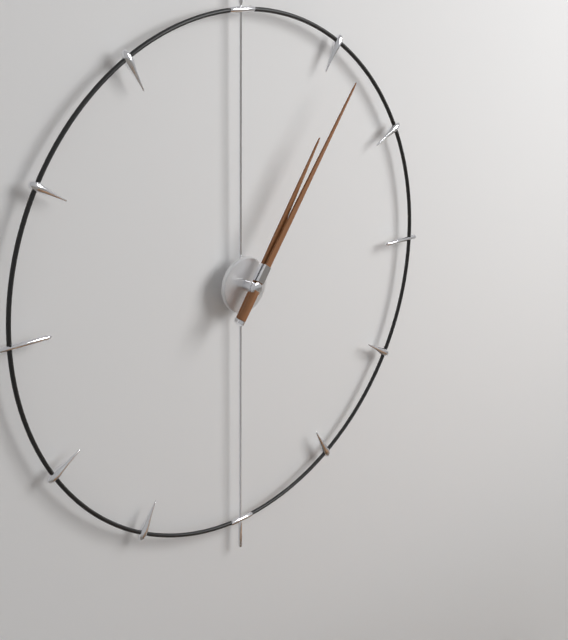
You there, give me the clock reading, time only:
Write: 1:06
